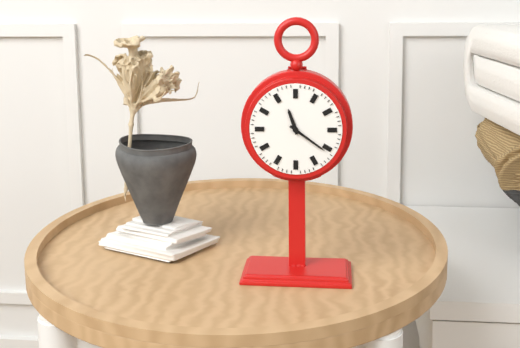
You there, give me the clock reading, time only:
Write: 11:21
